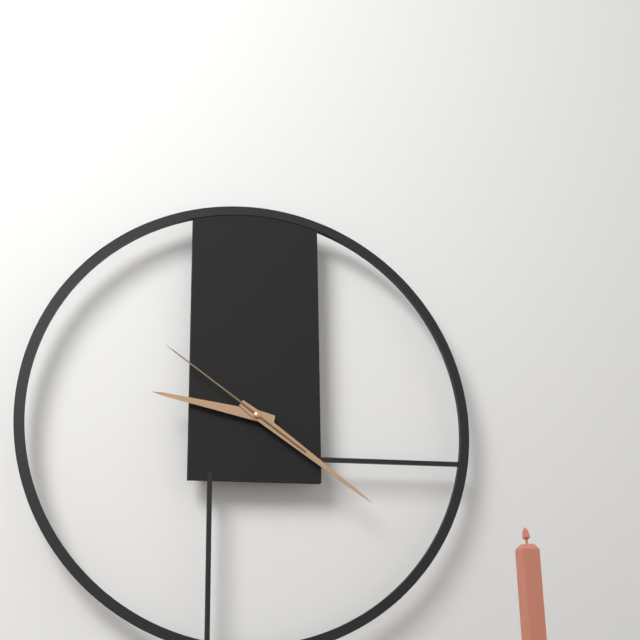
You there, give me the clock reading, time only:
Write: 9:21:51
